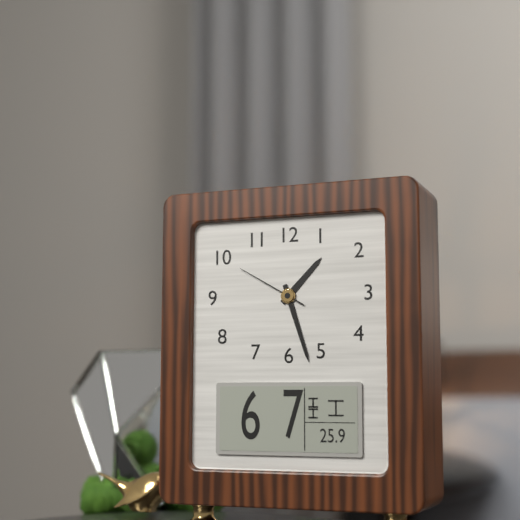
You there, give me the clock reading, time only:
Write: 1:27:50
